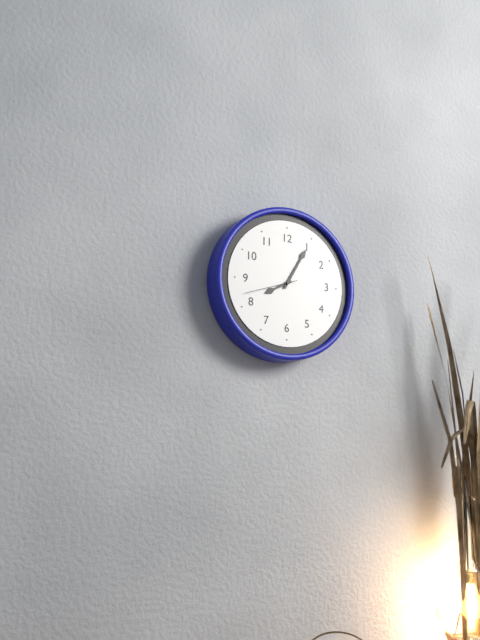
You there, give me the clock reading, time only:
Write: 8:05:42
